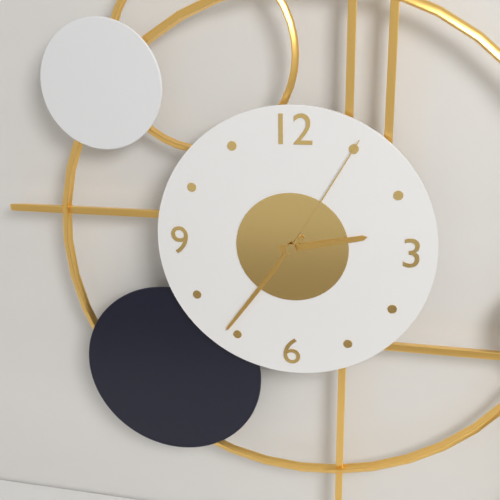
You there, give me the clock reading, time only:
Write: 2:36:05
